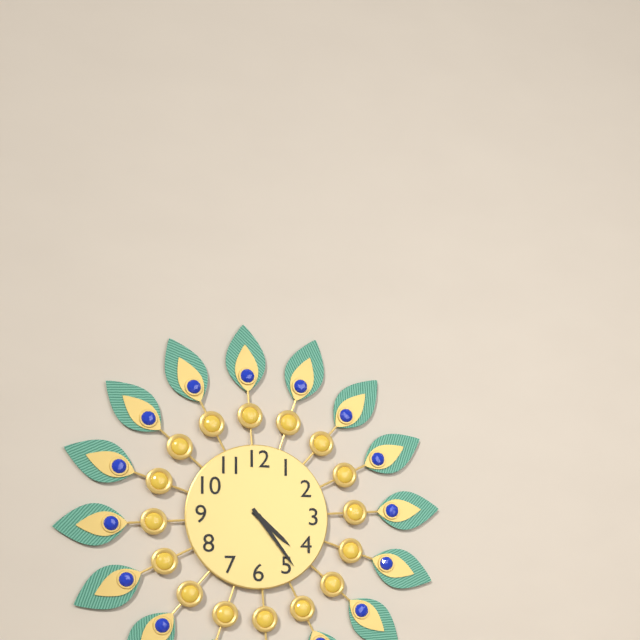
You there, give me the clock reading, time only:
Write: 4:24
